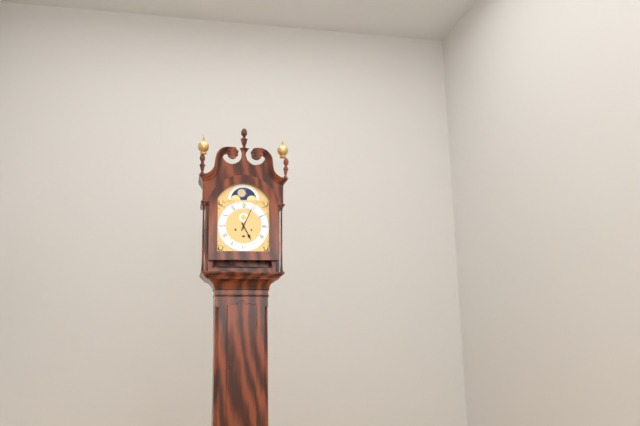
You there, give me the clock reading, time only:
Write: 5:04
